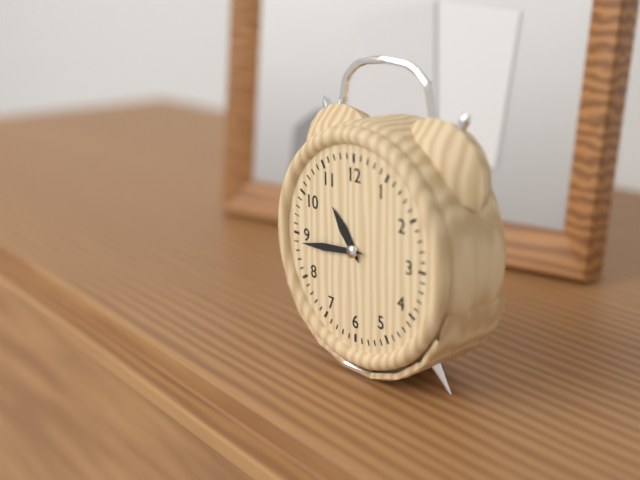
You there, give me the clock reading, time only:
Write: 10:44
